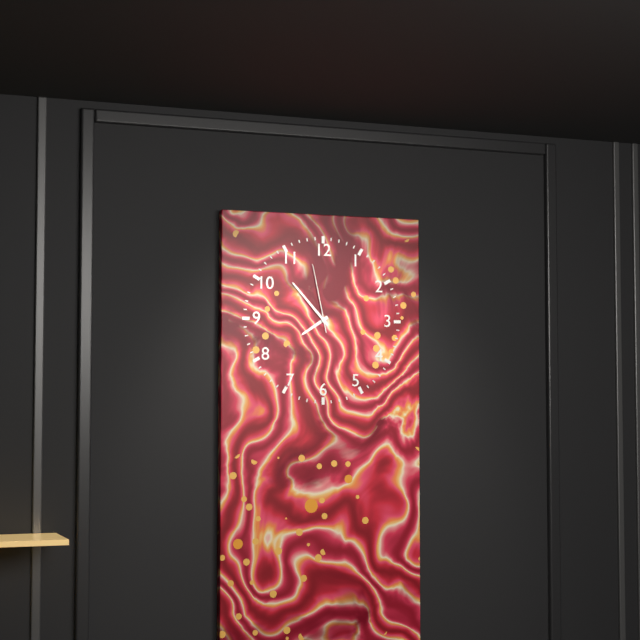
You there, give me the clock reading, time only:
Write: 7:53:58
